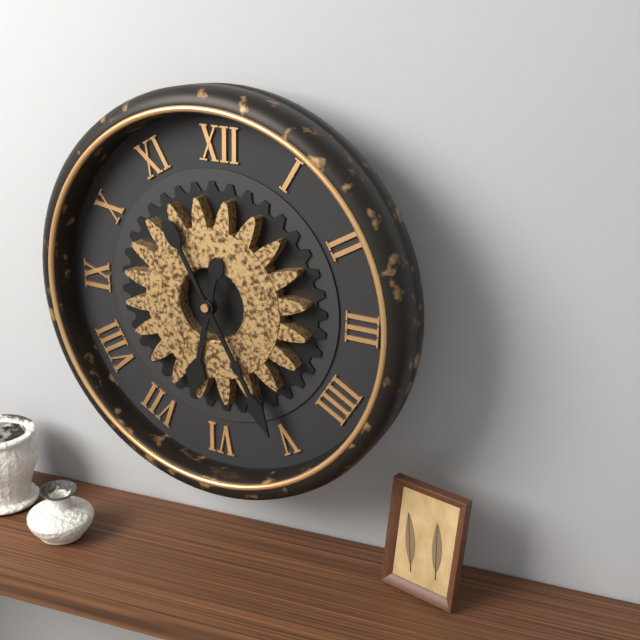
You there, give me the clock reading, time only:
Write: 6:25
